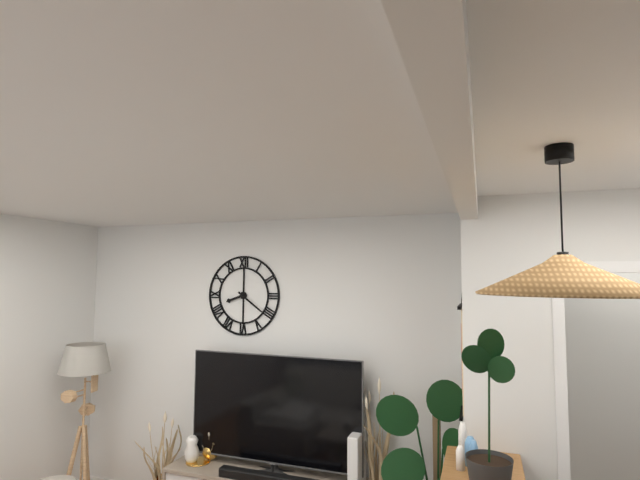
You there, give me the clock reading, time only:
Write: 8:21
